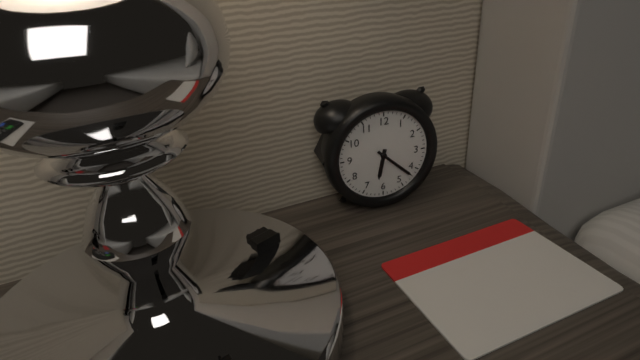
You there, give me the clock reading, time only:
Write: 6:22
